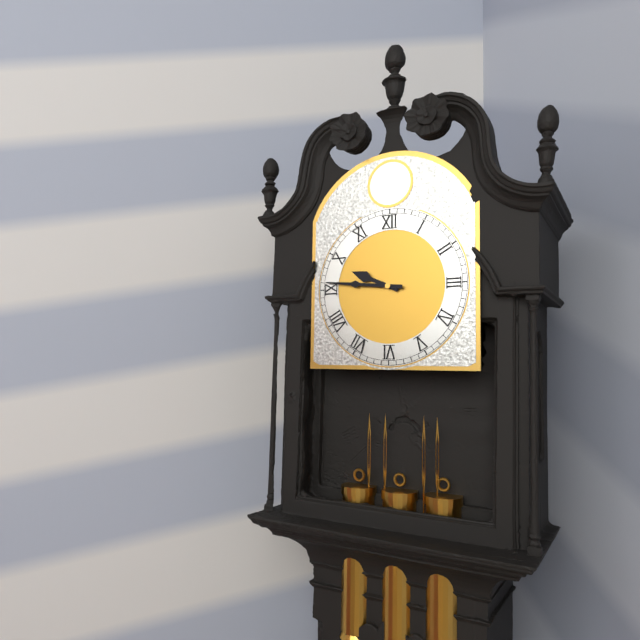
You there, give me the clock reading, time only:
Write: 9:46
